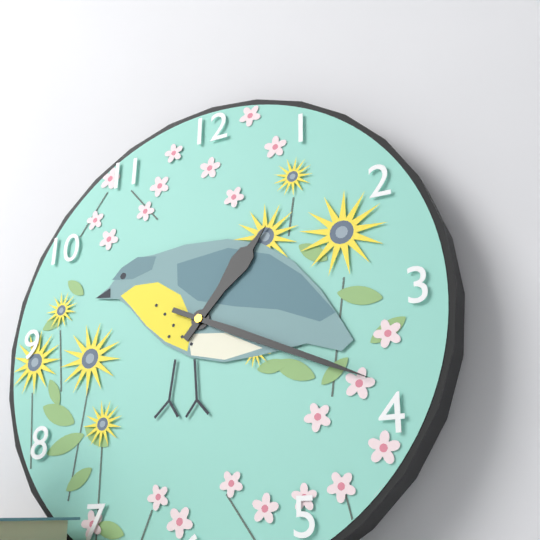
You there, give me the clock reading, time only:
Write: 1:19
